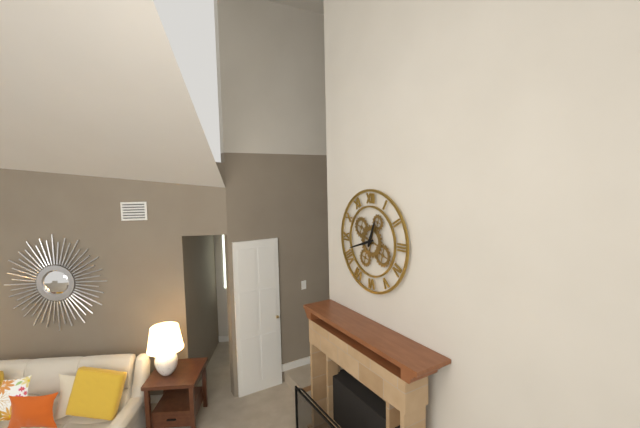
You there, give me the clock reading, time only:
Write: 12:42
